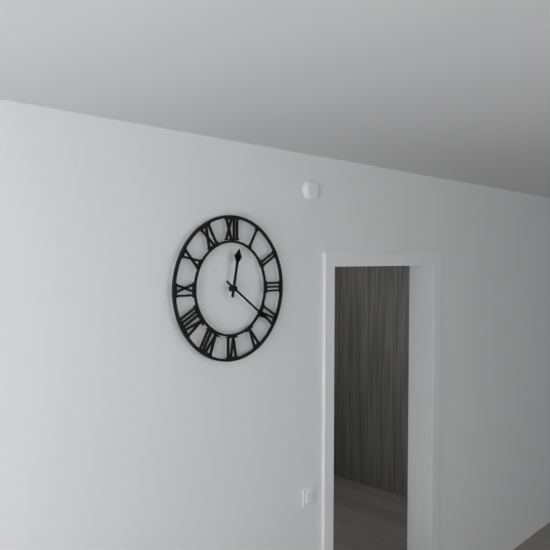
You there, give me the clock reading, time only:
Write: 12:21
